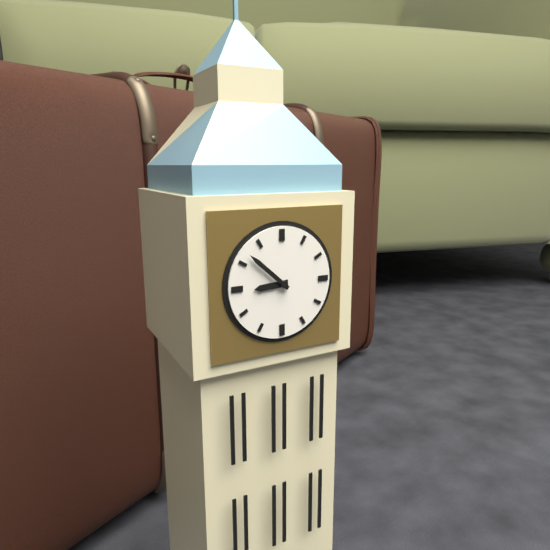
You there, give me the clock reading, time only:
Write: 8:52
